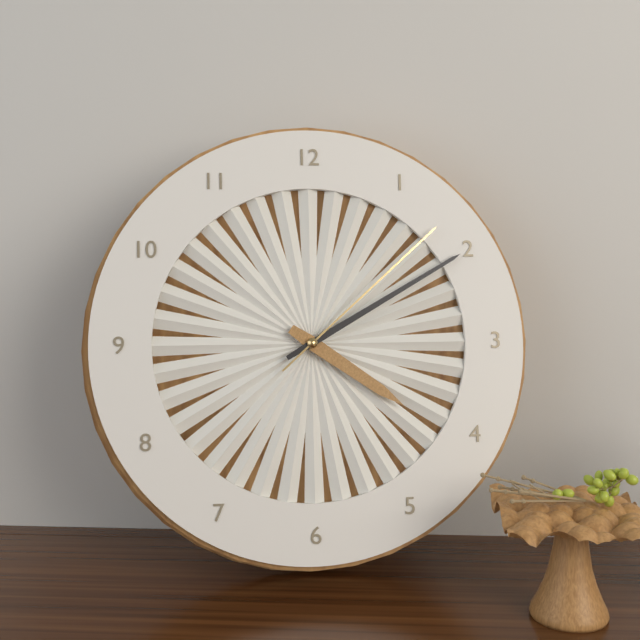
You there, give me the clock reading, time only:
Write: 4:10:08
